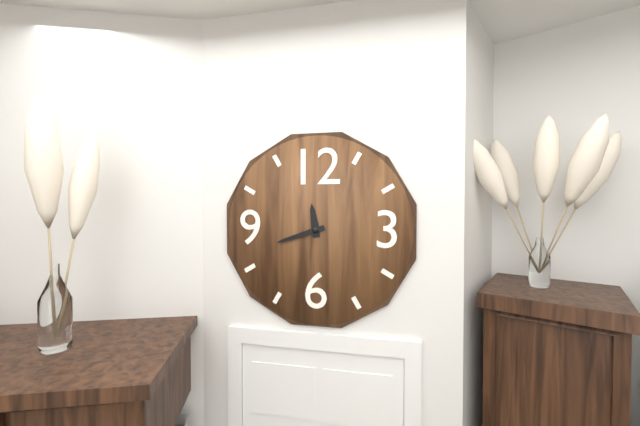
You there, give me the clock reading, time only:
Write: 11:42
